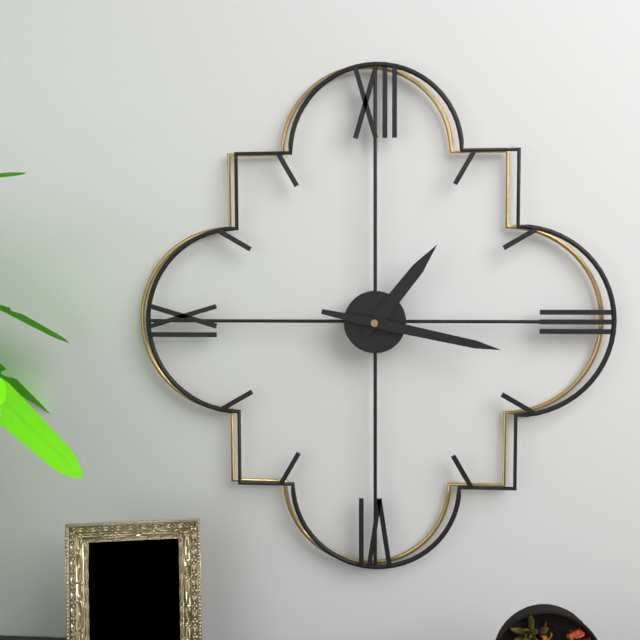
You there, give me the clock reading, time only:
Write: 1:17
